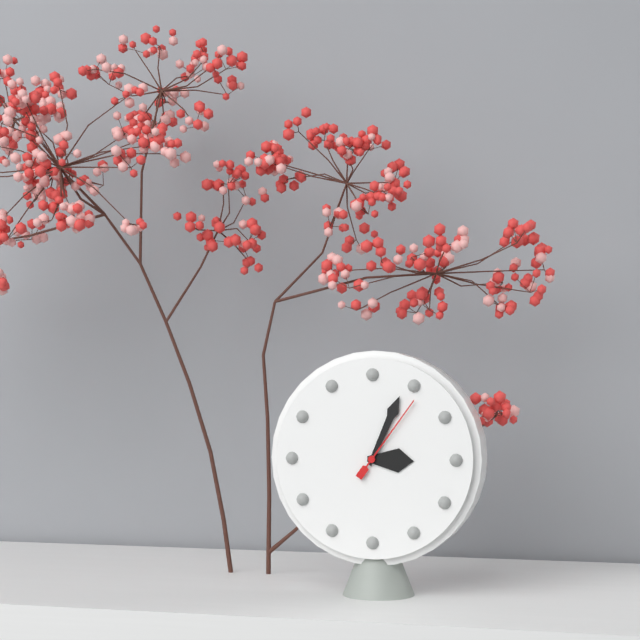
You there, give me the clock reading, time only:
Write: 3:04:06
